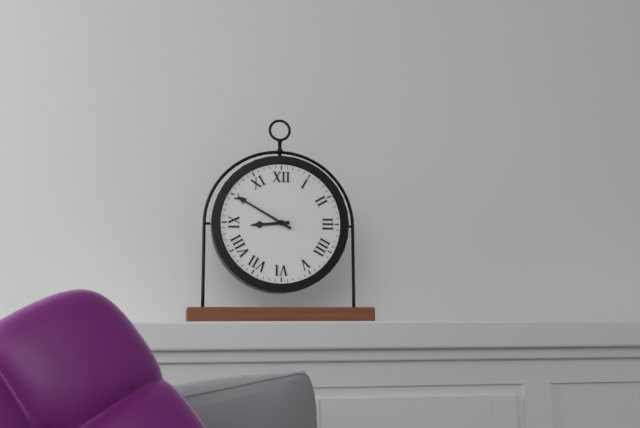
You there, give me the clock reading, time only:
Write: 8:50
